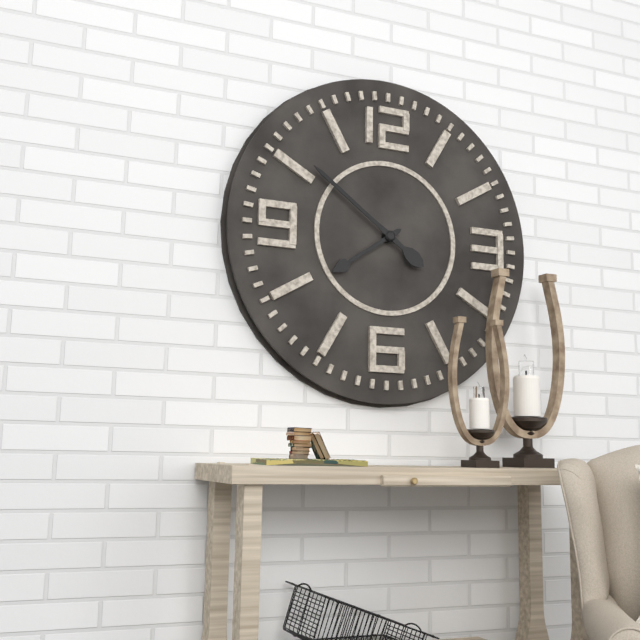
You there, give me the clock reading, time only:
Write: 7:51
